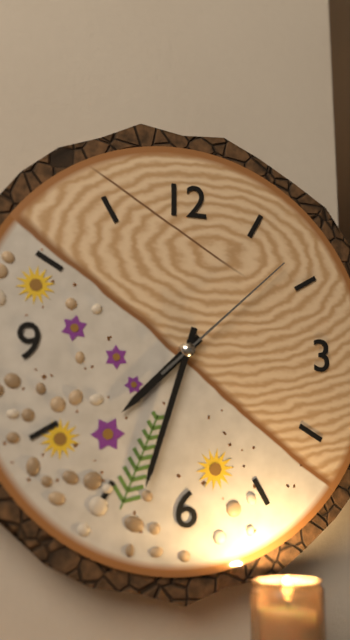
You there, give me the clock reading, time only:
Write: 7:33:08
